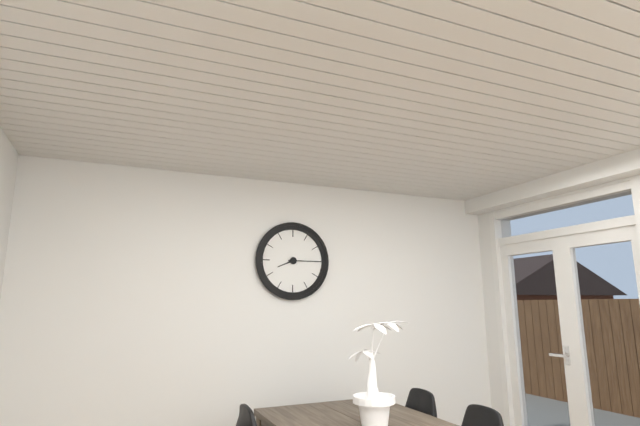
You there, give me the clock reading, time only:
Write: 8:15
